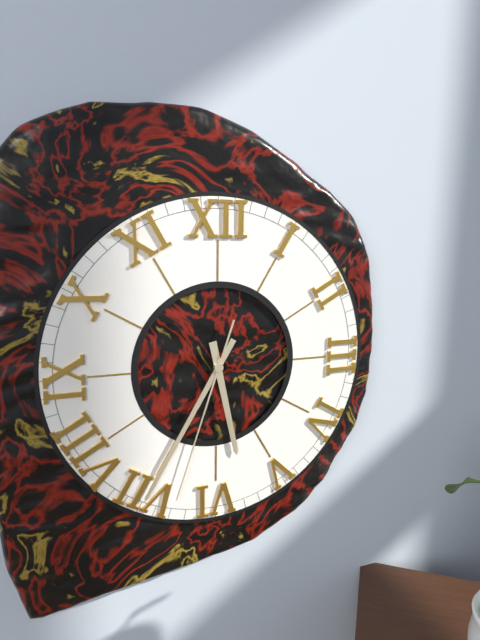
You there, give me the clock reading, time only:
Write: 5:35:33
